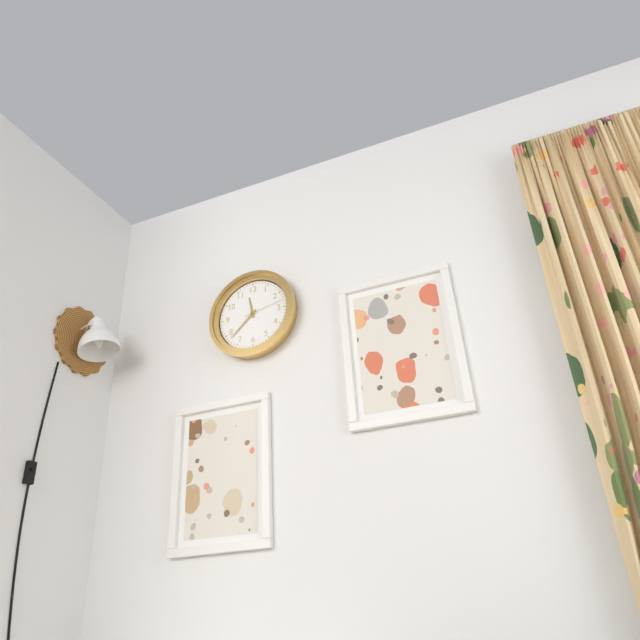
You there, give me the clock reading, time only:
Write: 11:38
